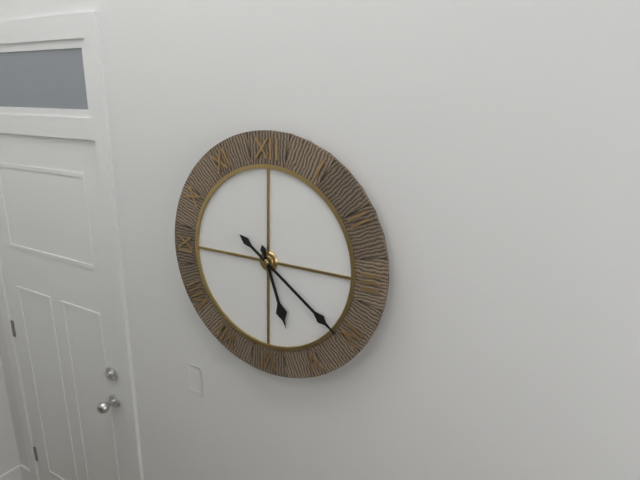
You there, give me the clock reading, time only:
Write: 5:21
